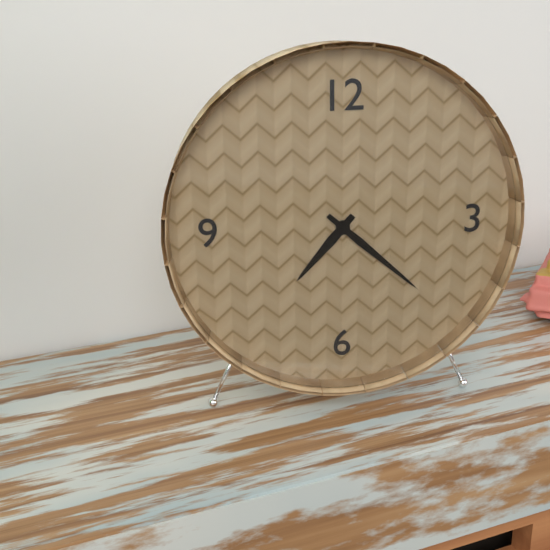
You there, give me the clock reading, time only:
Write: 7:22
